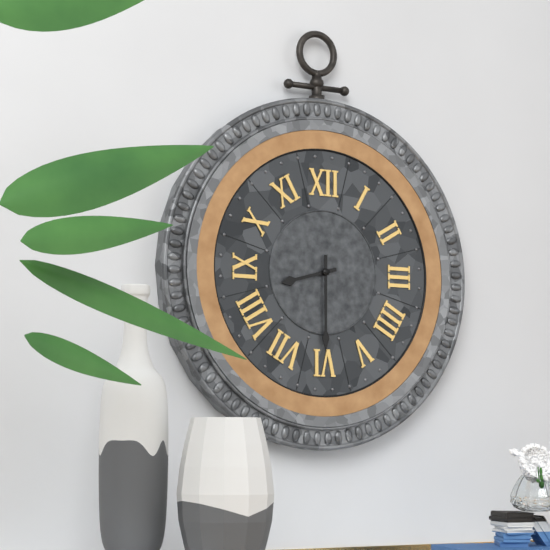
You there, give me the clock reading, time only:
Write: 8:30
